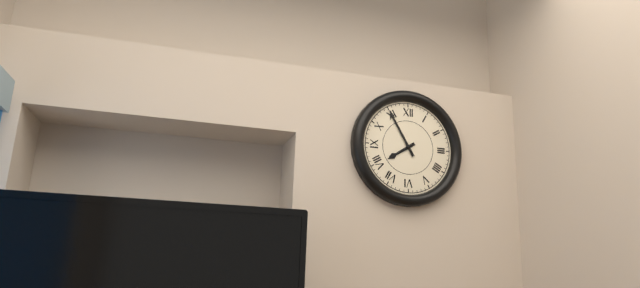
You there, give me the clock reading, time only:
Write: 7:55
